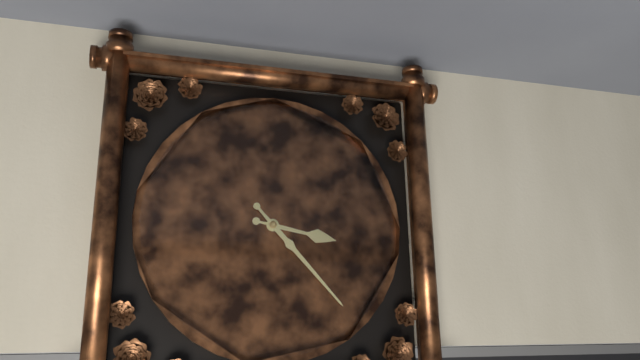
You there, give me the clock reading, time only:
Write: 3:23
